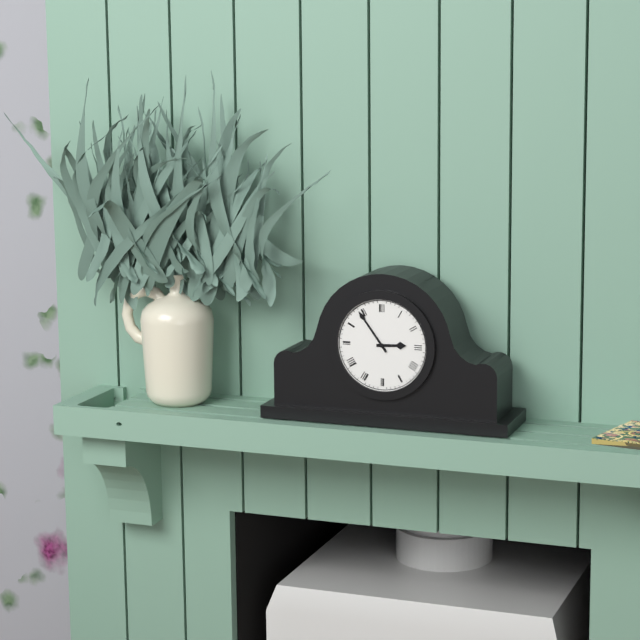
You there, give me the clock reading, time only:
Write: 2:54
